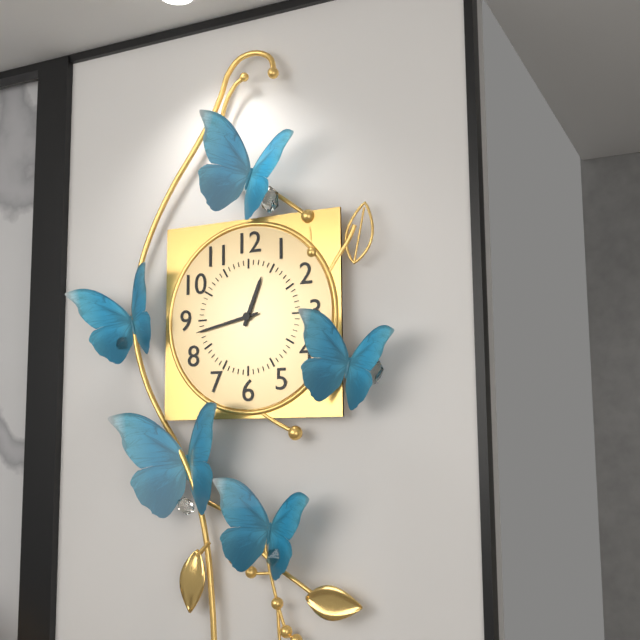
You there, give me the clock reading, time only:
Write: 12:43
